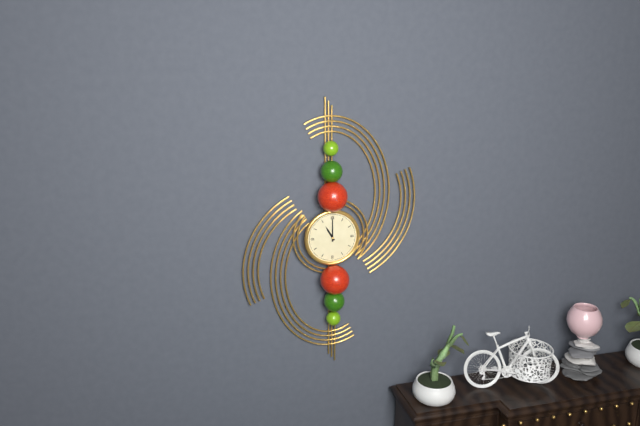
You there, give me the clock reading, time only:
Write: 11:00
